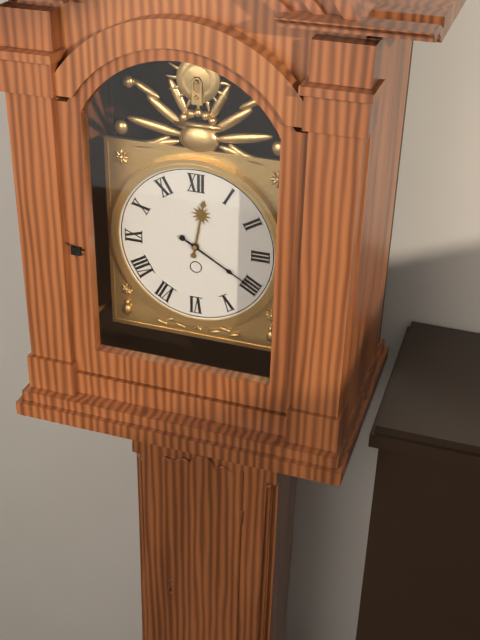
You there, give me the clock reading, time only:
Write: 12:20
